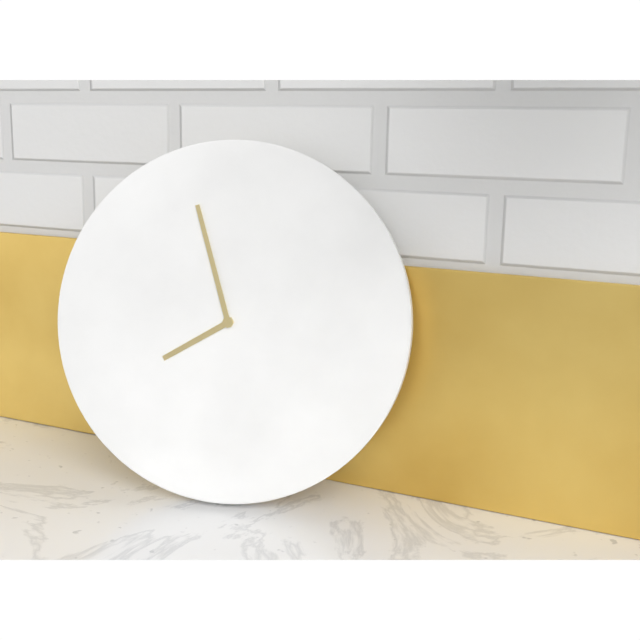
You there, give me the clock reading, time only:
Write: 7:57
